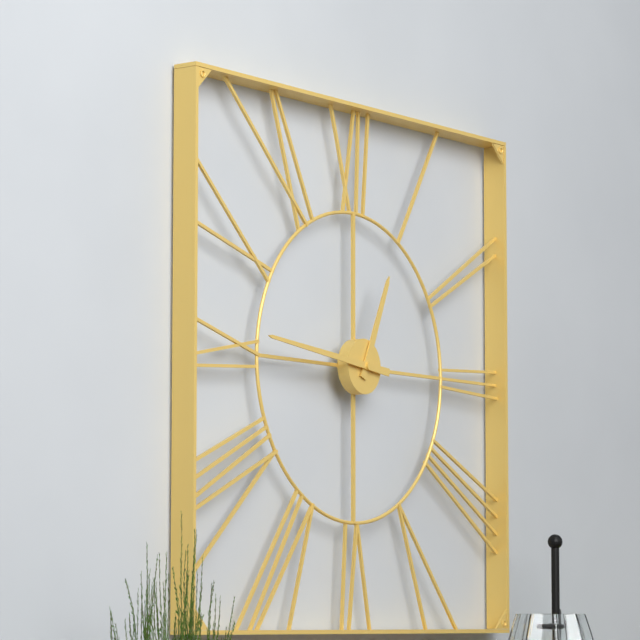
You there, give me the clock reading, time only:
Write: 12:46
